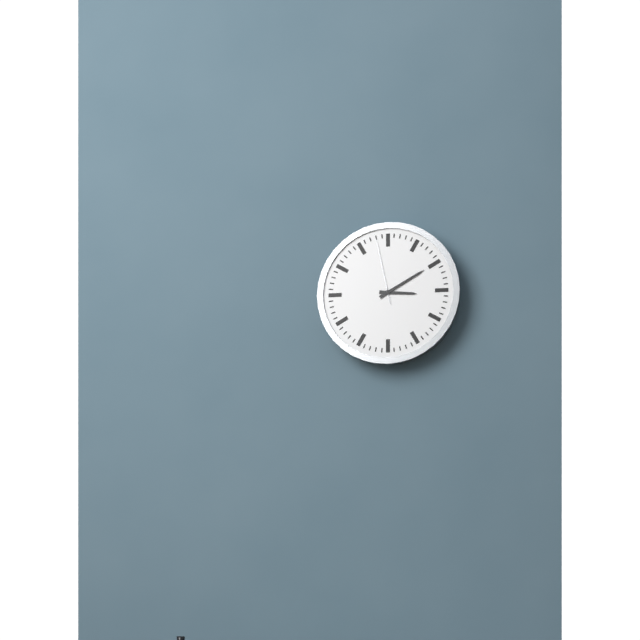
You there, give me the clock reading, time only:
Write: 3:10:58
